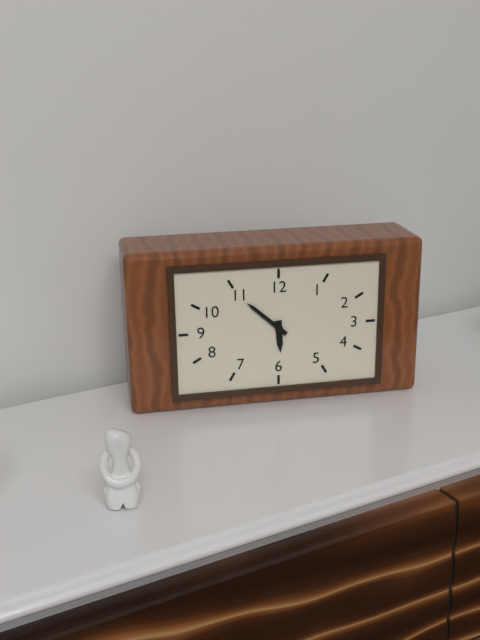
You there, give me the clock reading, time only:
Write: 5:52
